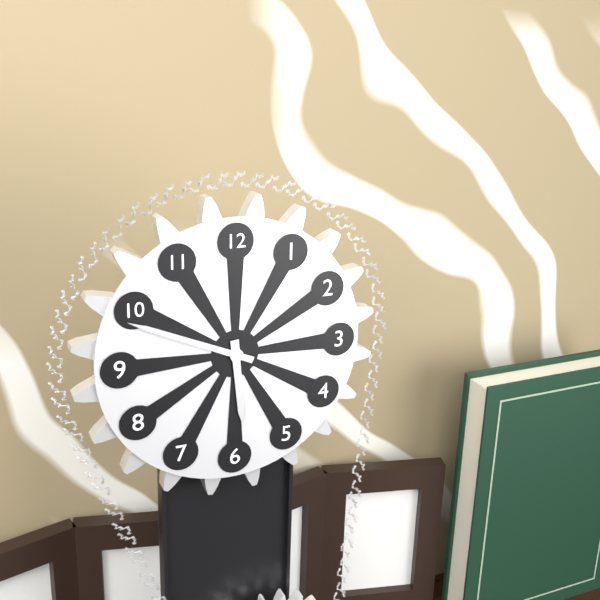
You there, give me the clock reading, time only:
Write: 5:49
